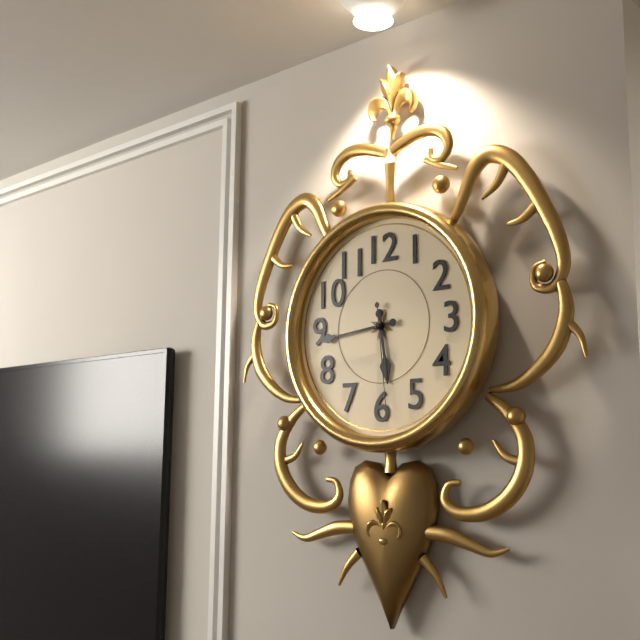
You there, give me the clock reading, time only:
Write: 5:44:29
